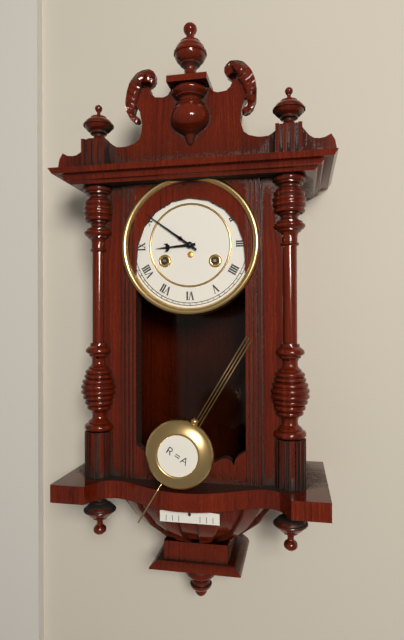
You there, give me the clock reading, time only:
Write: 8:51
